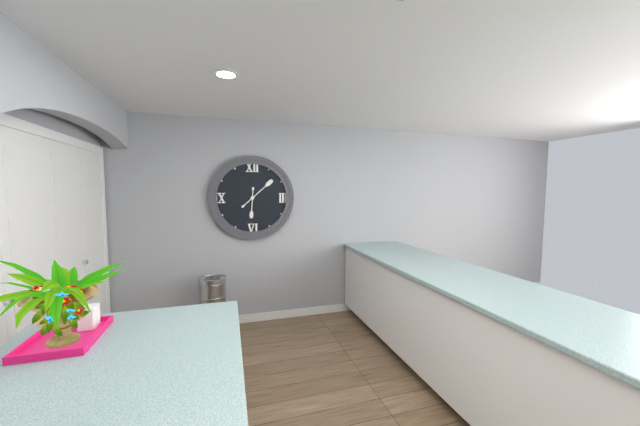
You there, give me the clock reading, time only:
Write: 6:08
